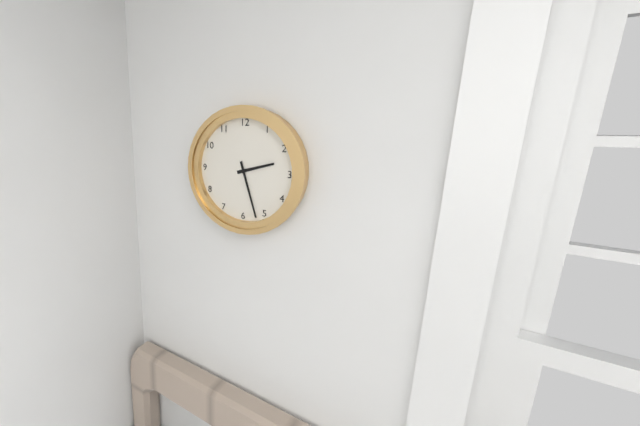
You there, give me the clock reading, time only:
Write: 2:27
